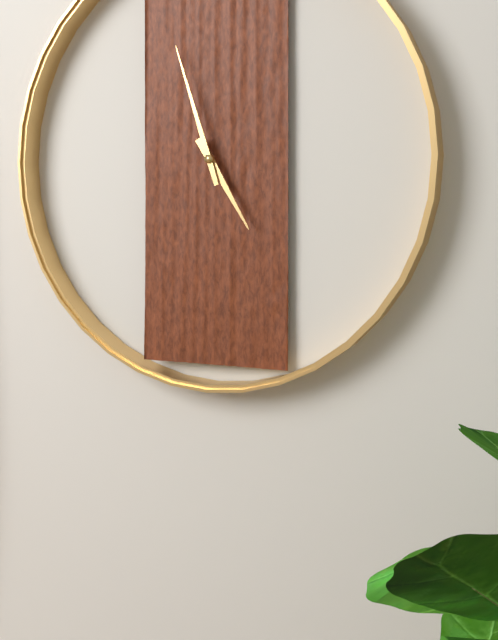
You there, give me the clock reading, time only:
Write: 4:57
